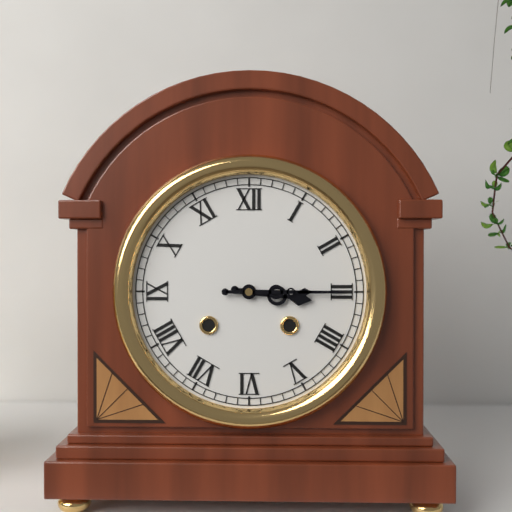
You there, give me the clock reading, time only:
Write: 3:15
